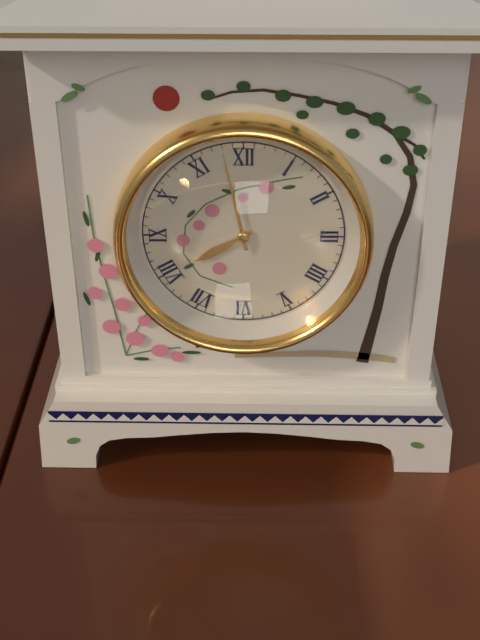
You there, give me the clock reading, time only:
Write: 7:58
